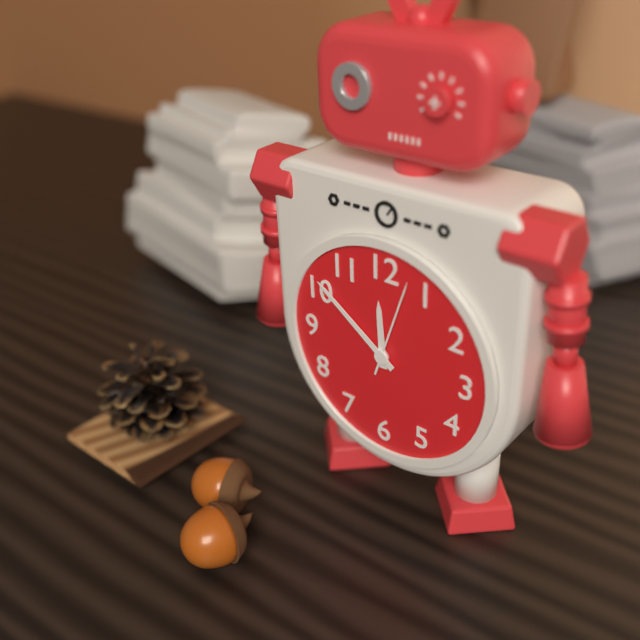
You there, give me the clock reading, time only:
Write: 11:51:03
